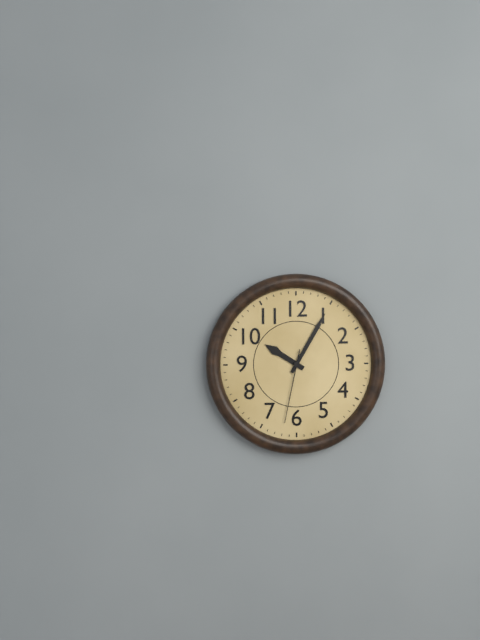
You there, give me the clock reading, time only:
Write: 10:05:32
